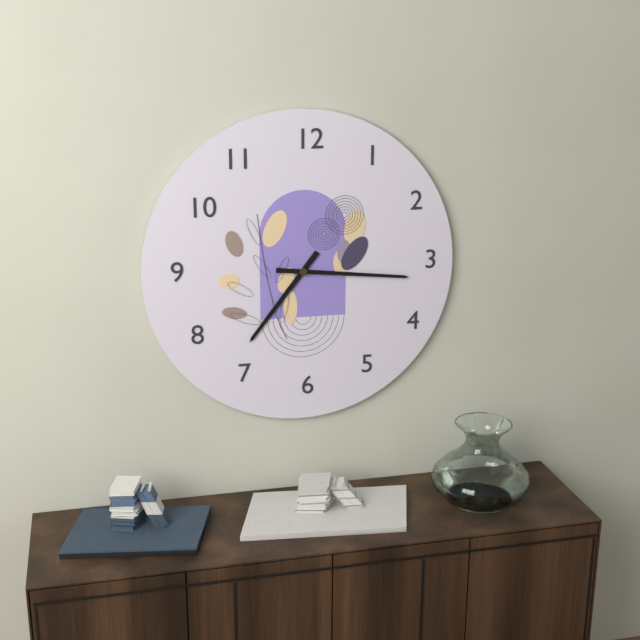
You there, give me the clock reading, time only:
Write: 7:16
